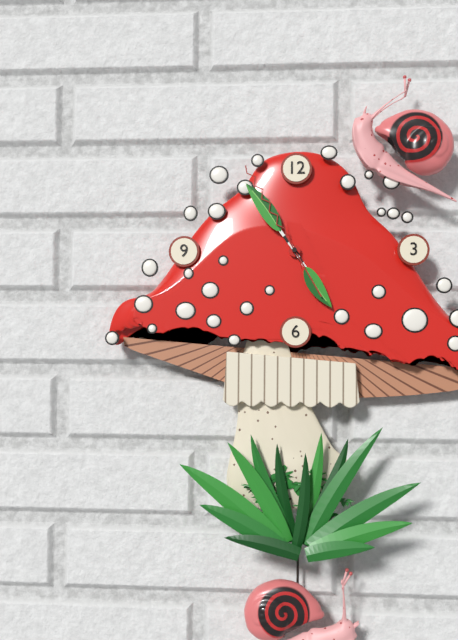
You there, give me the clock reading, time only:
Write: 4:54:55
